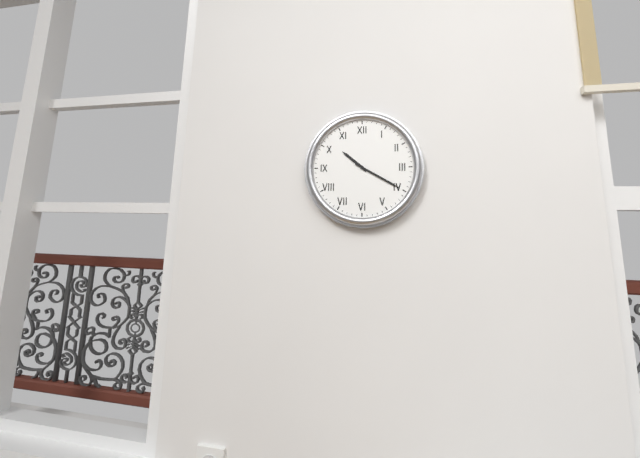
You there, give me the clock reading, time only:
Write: 10:20
